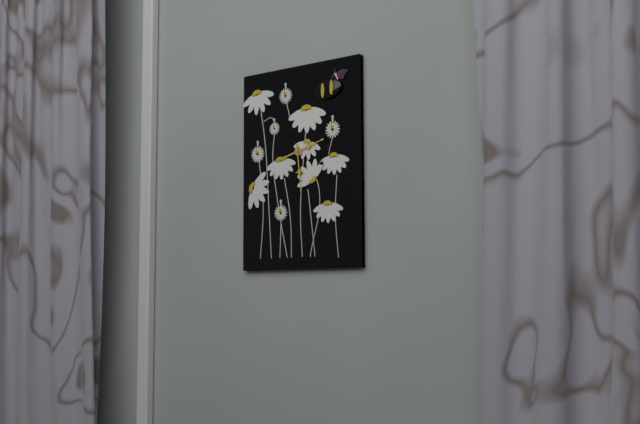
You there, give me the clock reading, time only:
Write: 2:29
